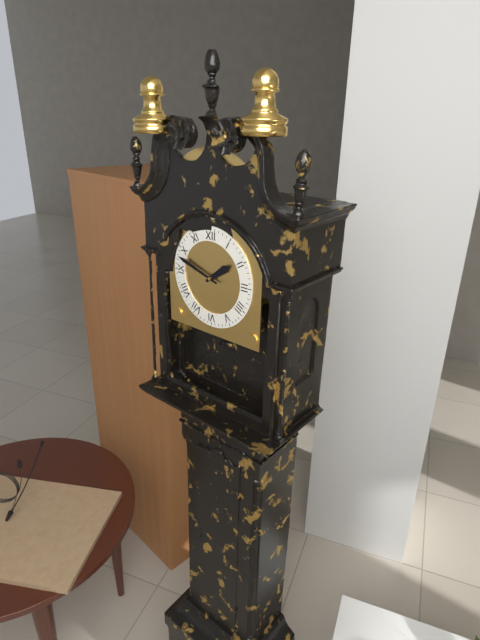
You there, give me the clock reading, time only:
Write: 1:48
